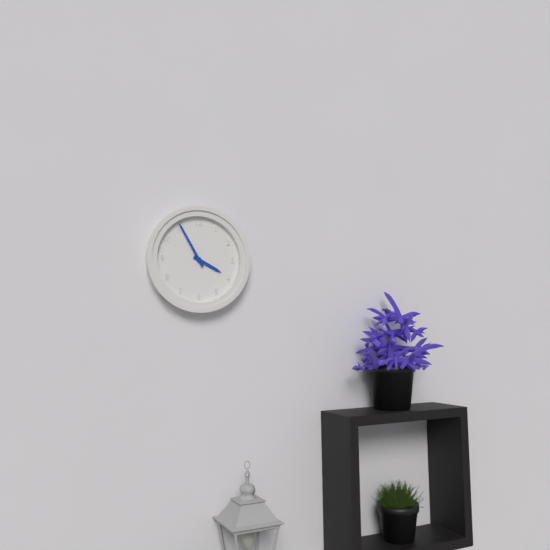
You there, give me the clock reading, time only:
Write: 3:55
